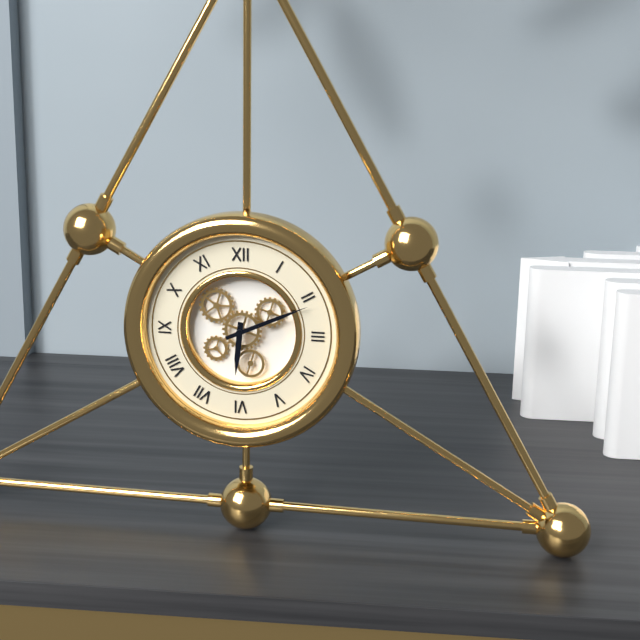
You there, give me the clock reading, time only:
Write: 6:11
